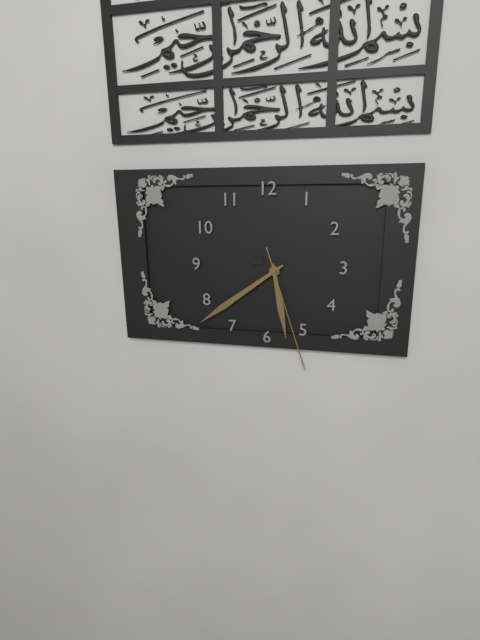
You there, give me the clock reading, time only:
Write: 5:39:27
